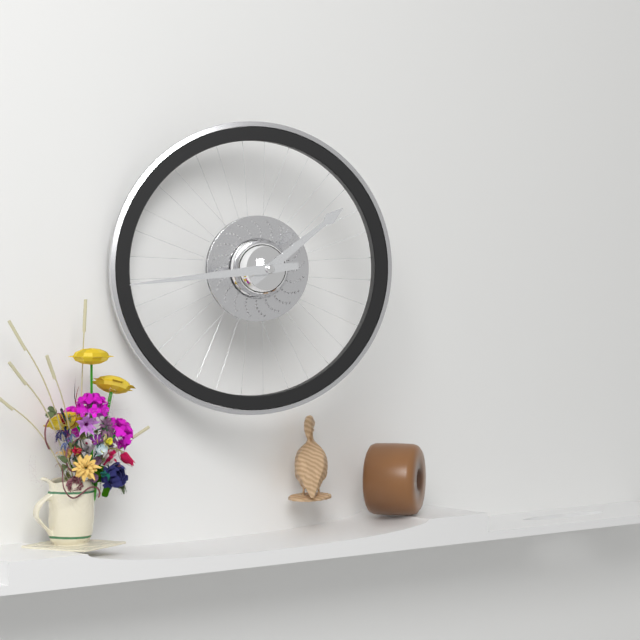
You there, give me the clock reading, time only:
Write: 1:44
